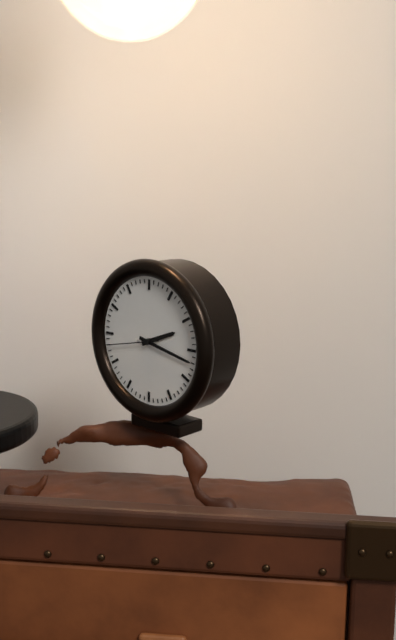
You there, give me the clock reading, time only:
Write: 2:17:43
